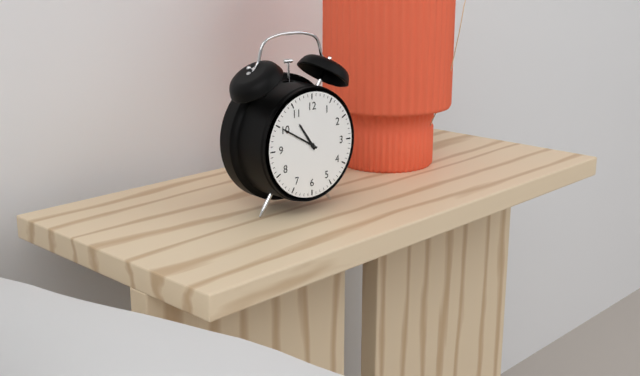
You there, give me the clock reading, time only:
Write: 10:50
